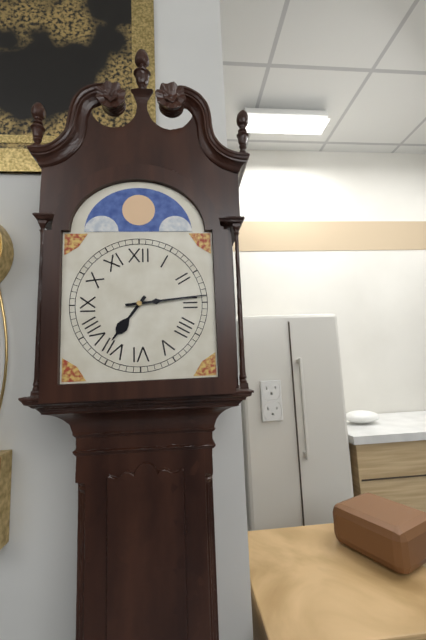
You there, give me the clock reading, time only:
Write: 7:14
